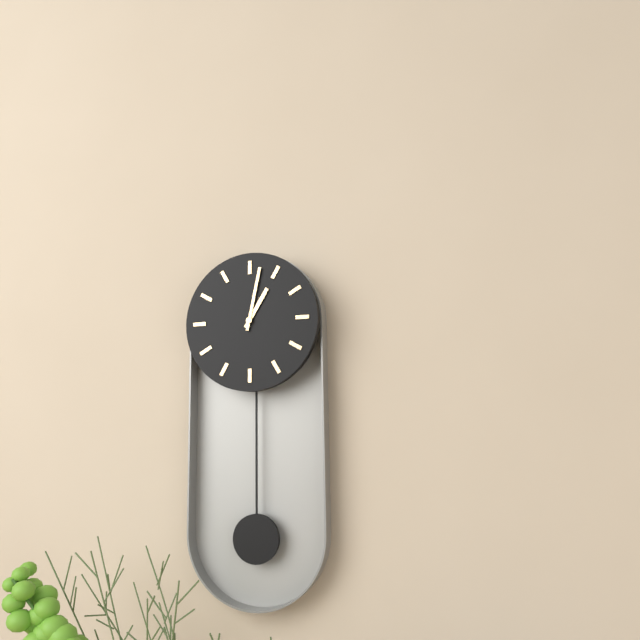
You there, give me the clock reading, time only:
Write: 1:02
